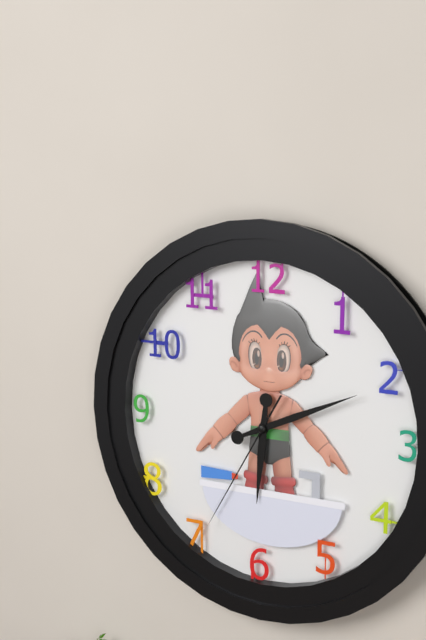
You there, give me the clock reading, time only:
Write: 6:11:35
